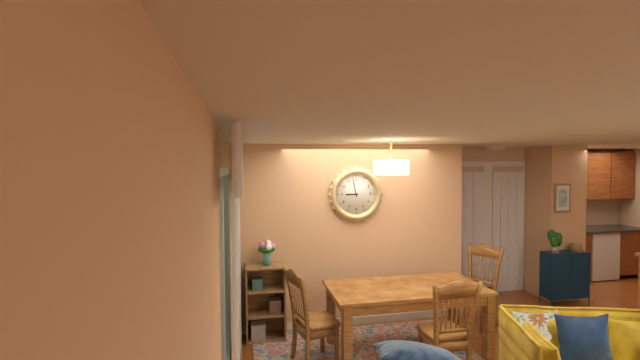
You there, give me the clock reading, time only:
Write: 8:58
